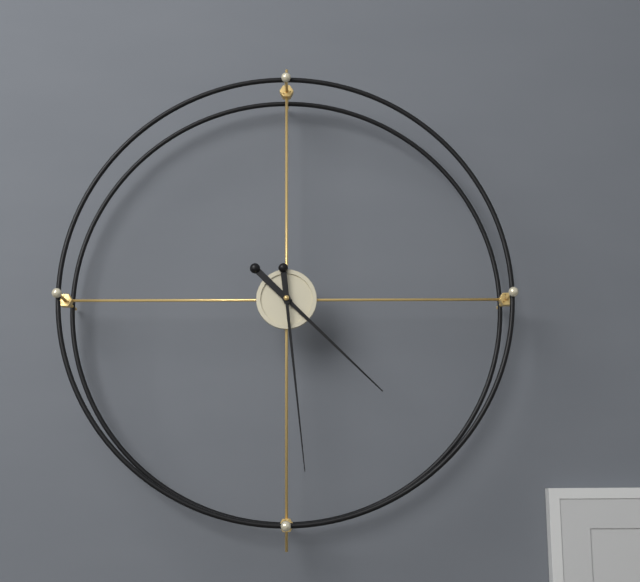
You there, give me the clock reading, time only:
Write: 4:29
